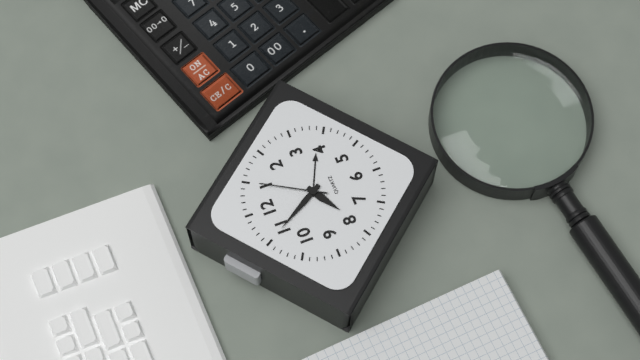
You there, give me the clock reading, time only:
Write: 7:55:05
